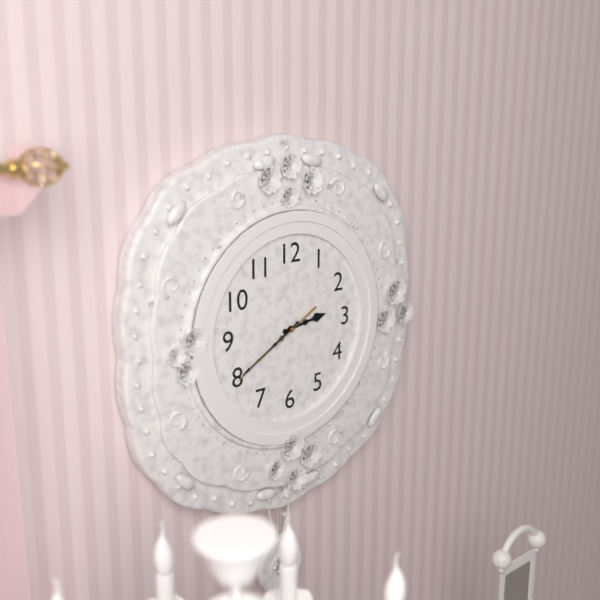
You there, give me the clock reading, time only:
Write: 2:40:40
